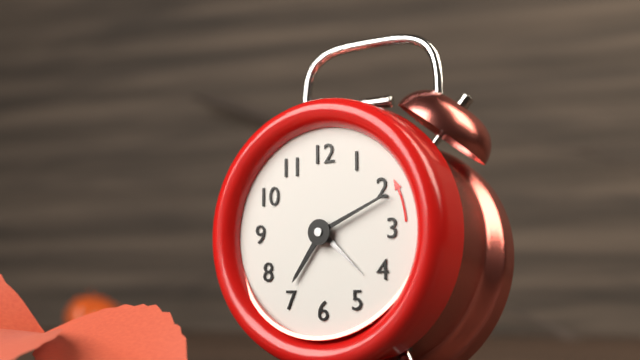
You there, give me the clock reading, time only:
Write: 7:11:22
